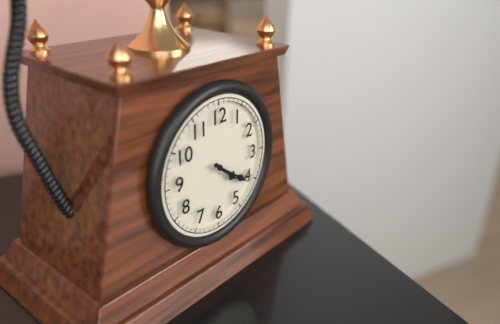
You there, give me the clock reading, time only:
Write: 4:21
